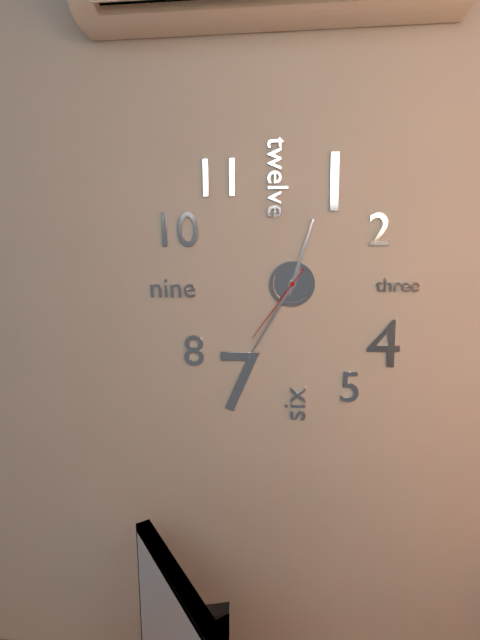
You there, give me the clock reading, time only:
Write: 12:35:36
